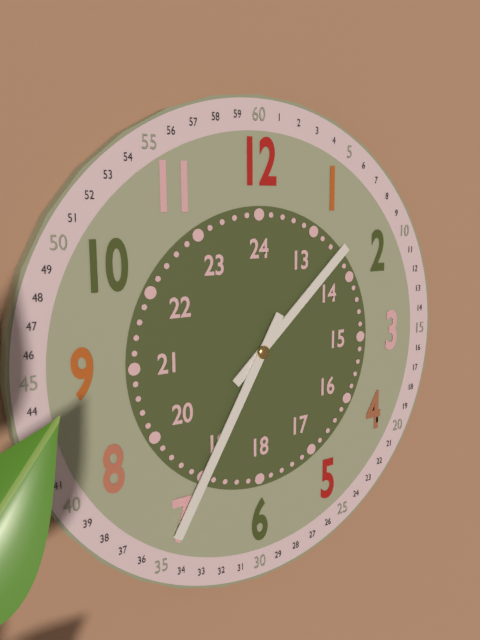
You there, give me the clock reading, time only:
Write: 1:35
